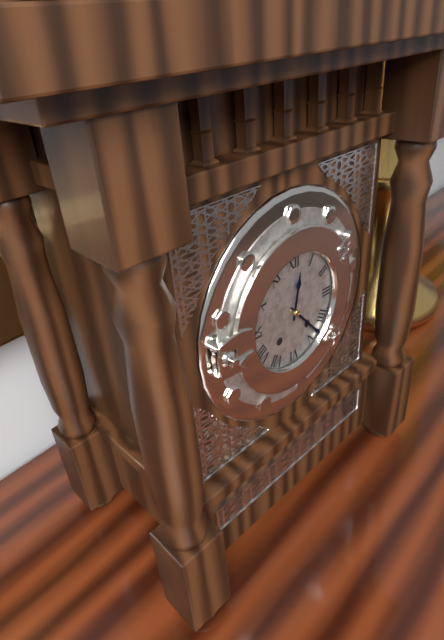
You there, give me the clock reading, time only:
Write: 12:23
